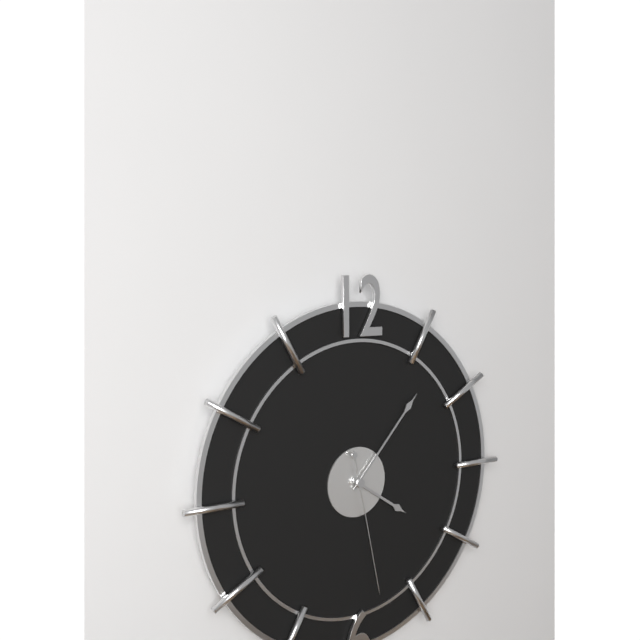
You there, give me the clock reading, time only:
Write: 4:07:28
